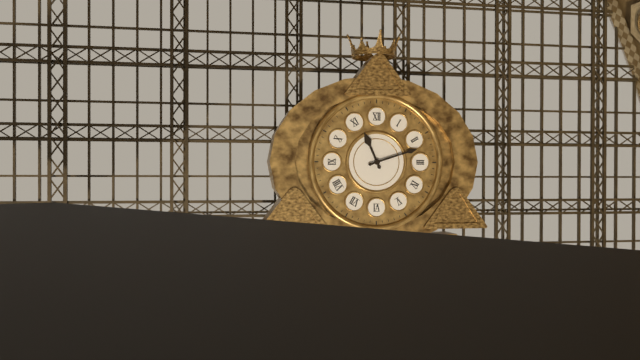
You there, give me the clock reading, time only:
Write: 11:12
